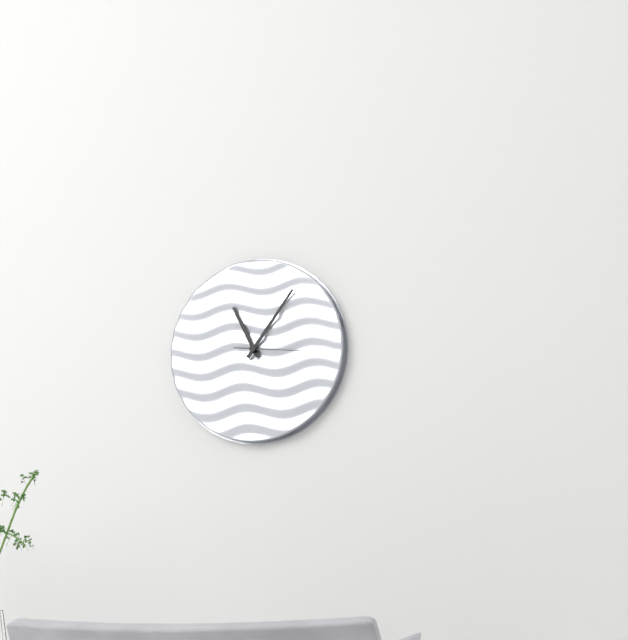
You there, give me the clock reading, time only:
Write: 11:06:16
